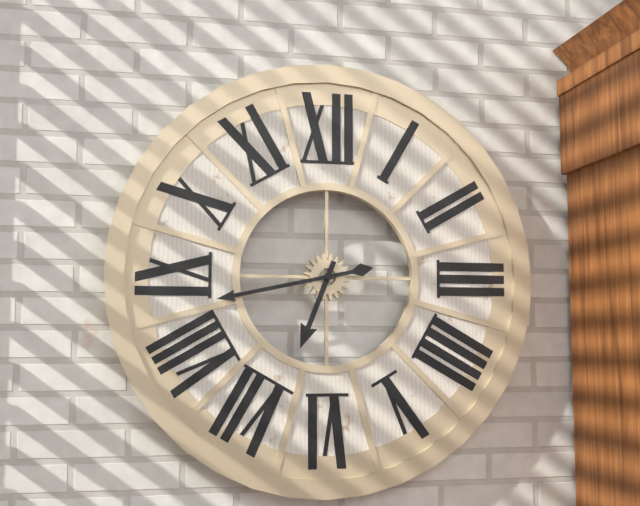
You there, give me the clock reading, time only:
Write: 6:43
